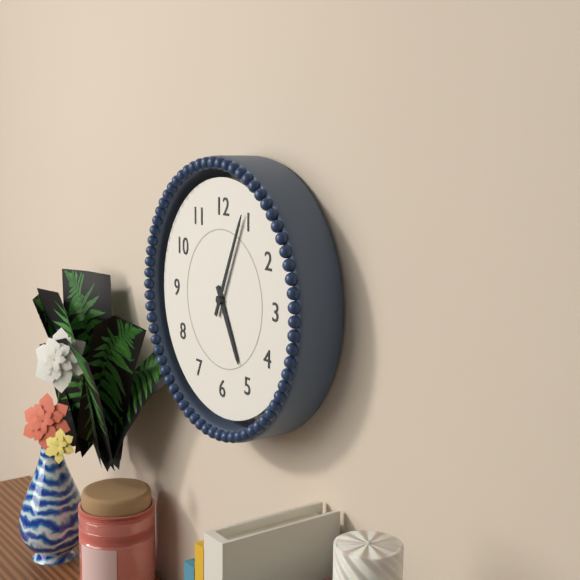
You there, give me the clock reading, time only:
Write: 5:04
